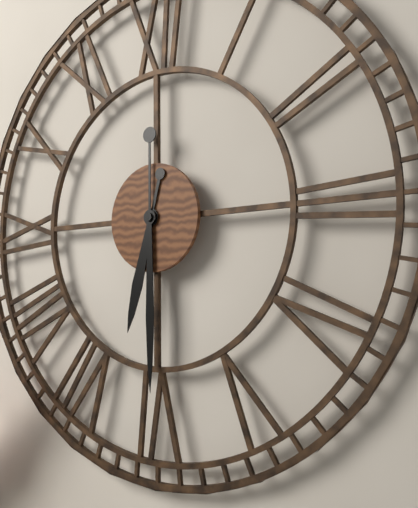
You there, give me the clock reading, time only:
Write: 6:30
